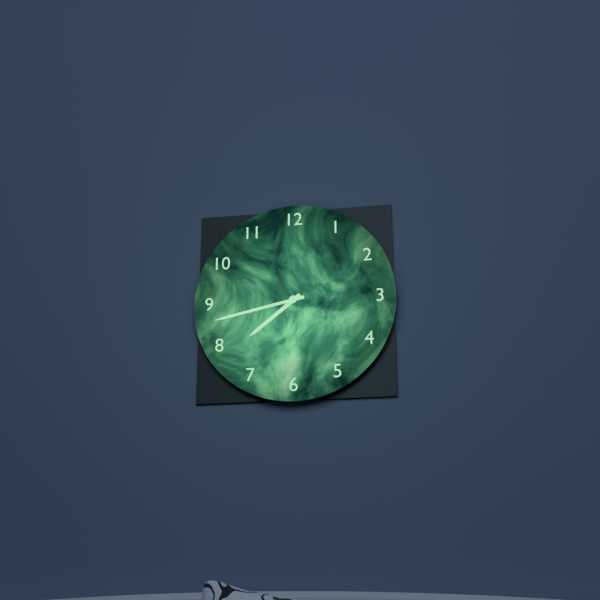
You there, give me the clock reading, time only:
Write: 7:43
